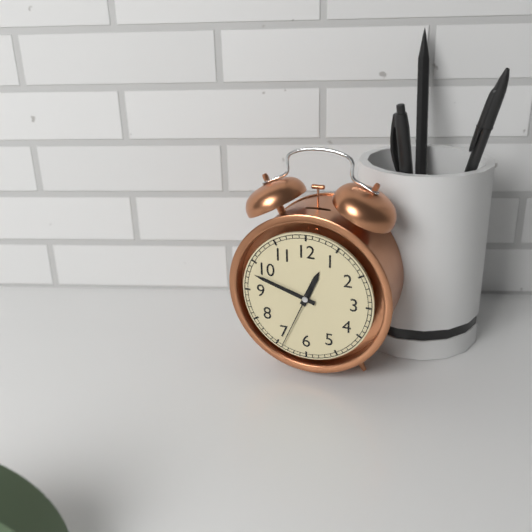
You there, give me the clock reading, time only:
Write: 12:48:34
